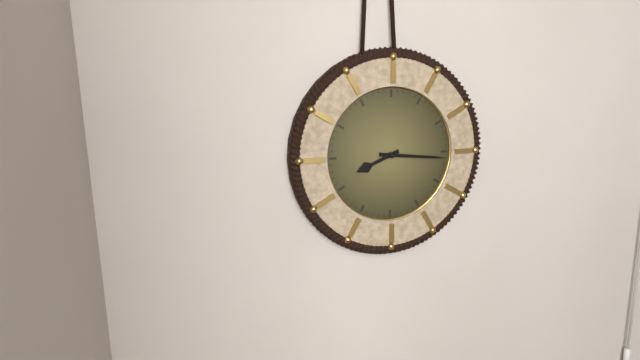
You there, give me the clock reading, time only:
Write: 8:16
